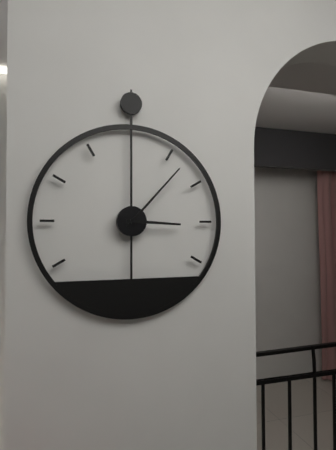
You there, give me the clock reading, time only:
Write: 3:07
